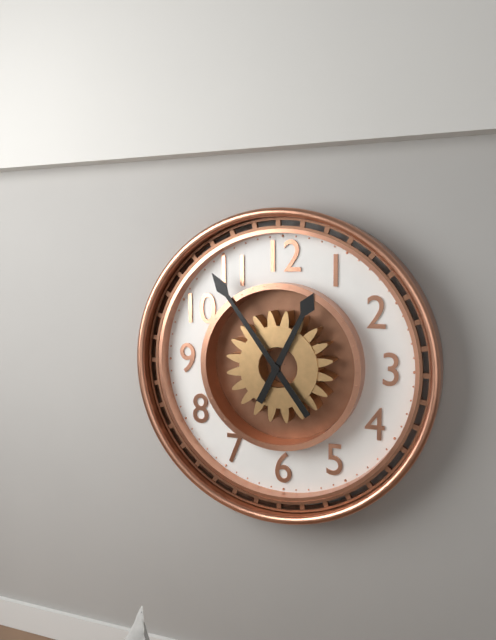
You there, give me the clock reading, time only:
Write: 12:54
